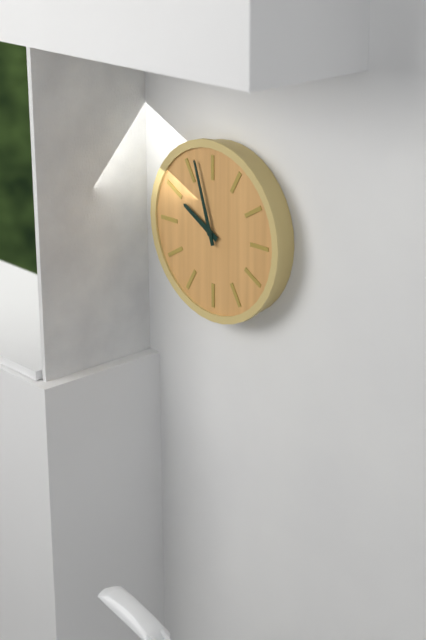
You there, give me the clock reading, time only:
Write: 9:57
